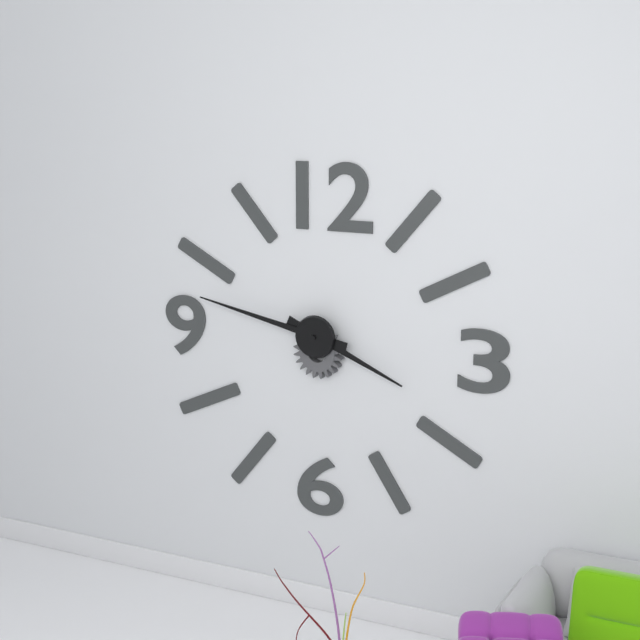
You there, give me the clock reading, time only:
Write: 3:47
